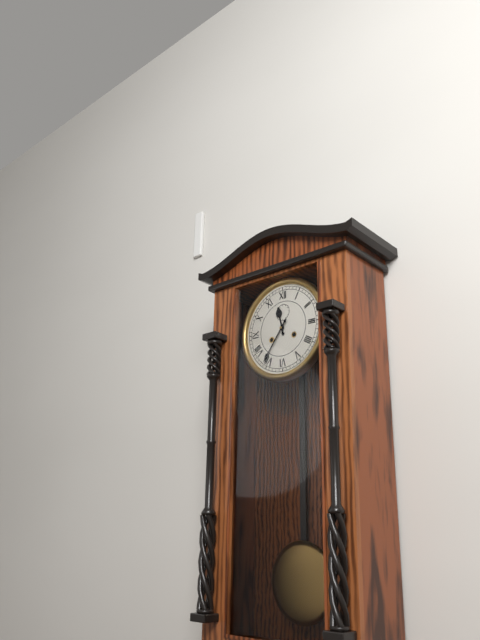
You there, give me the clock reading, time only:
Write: 11:36
